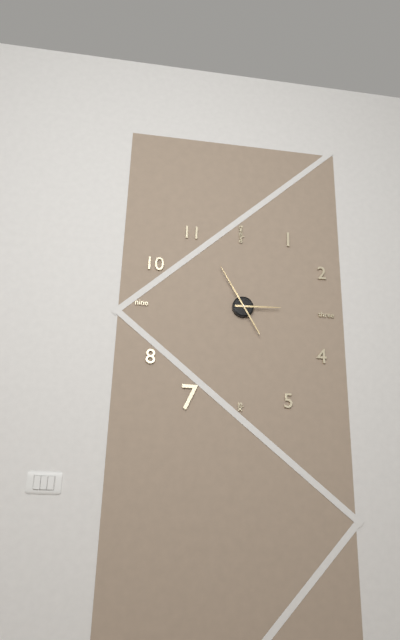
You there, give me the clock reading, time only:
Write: 2:55
